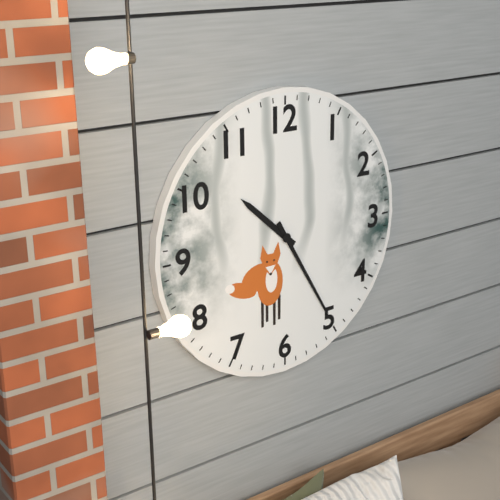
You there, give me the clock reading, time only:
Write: 10:25
